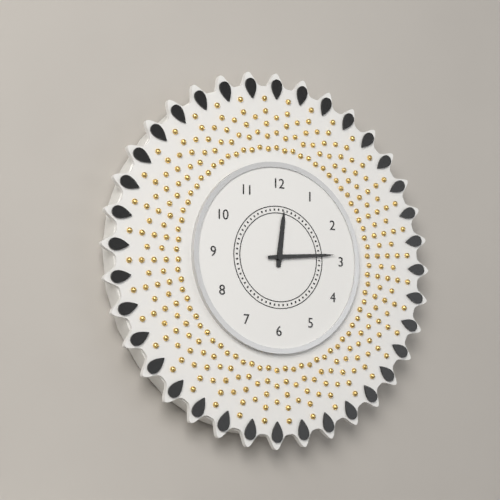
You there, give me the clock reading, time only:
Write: 12:14
